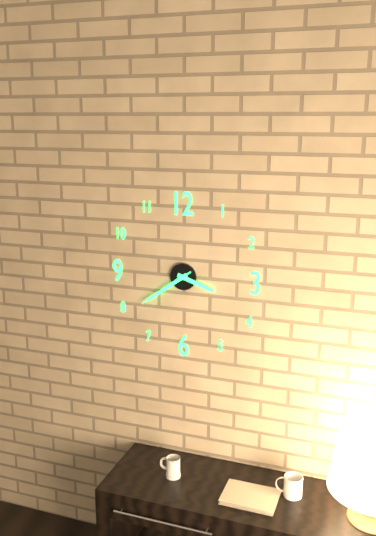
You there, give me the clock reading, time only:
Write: 3:39:39
